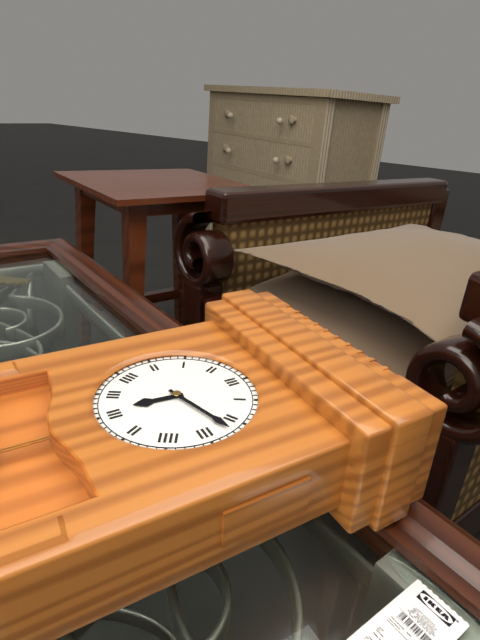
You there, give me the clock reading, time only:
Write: 6:12
